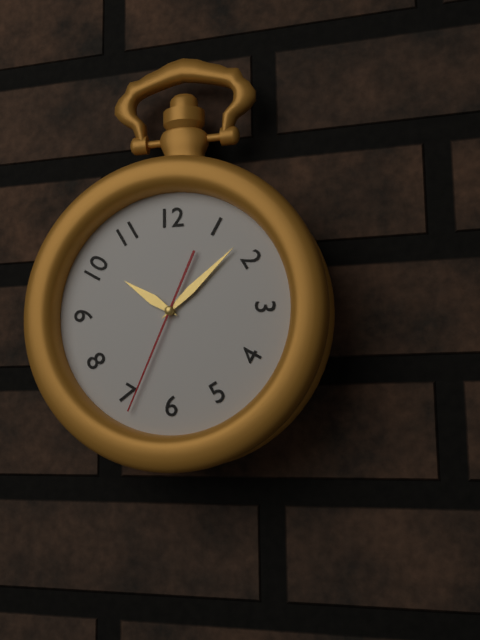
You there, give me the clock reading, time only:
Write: 10:08:34
